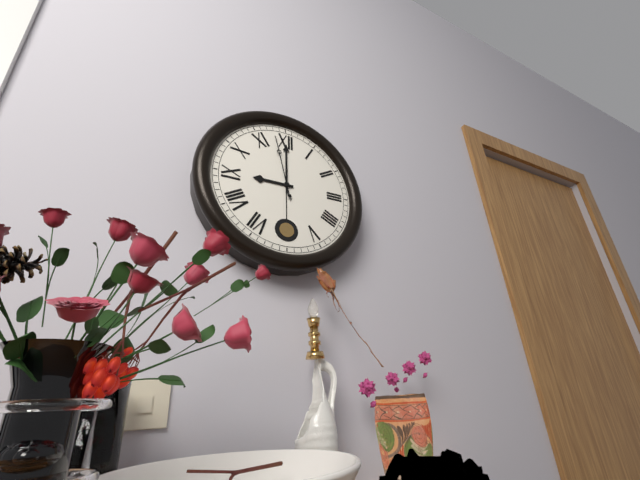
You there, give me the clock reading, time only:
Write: 9:00:58
